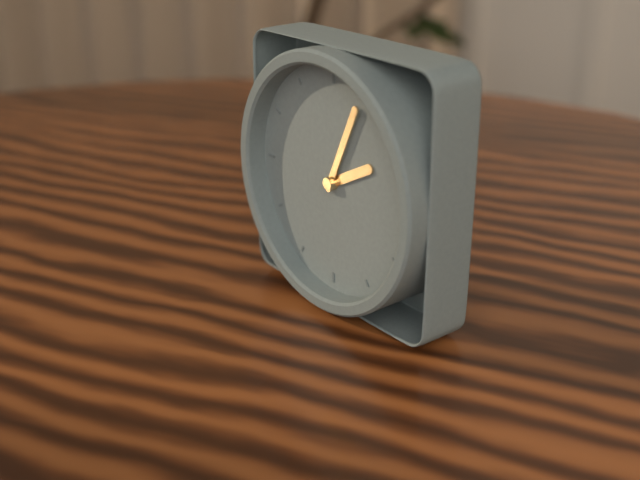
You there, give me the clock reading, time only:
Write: 2:04
